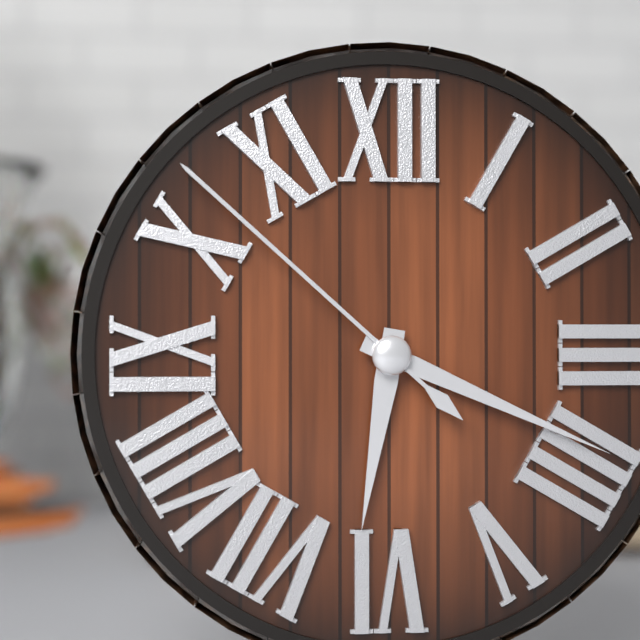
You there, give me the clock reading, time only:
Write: 6:19:52
